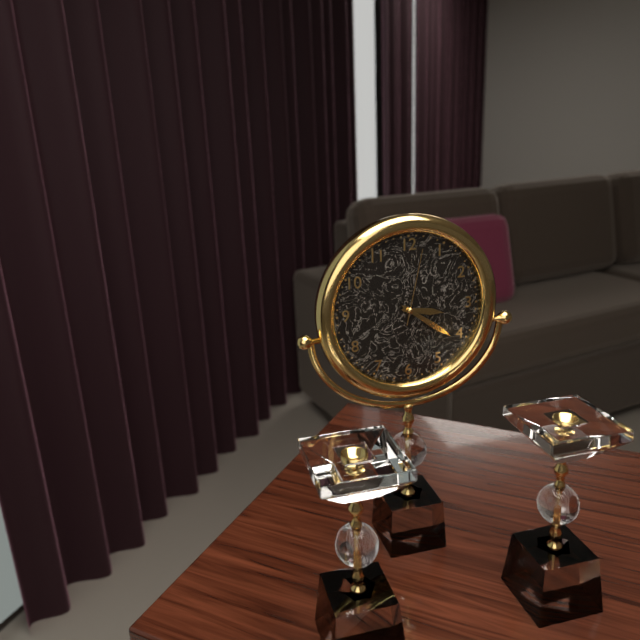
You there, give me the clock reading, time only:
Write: 3:21:02
